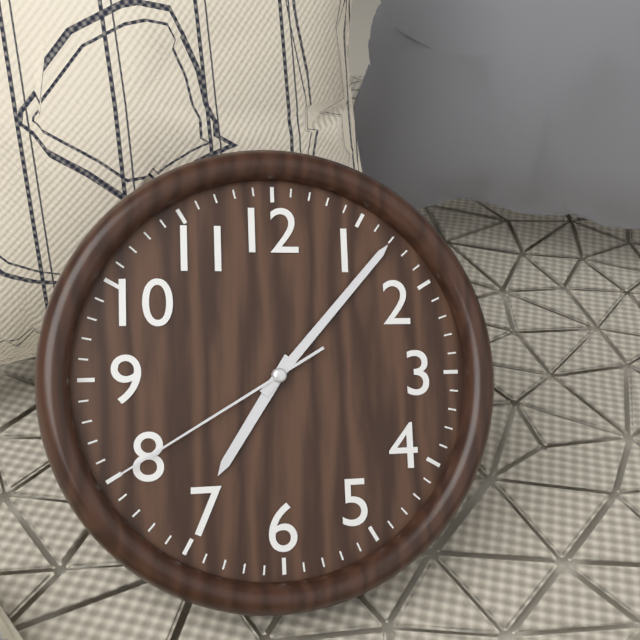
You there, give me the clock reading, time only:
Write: 7:07:40
